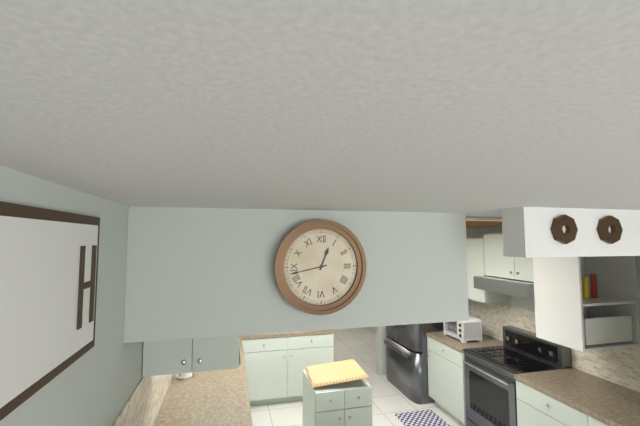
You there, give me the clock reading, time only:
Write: 12:43
